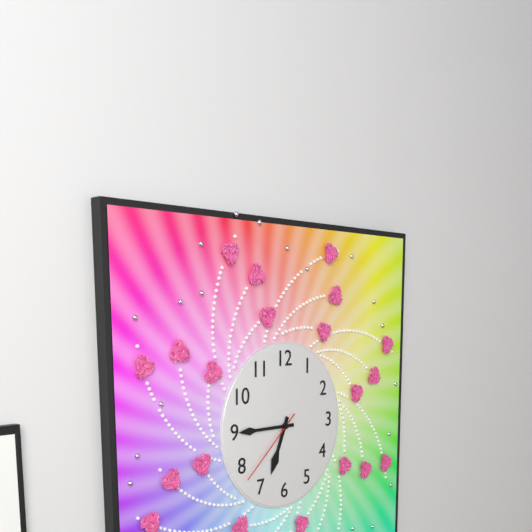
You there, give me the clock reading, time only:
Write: 6:45:38
